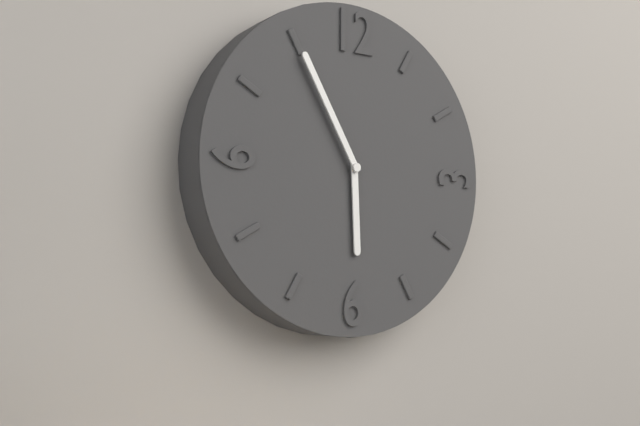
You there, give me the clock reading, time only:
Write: 5:55
